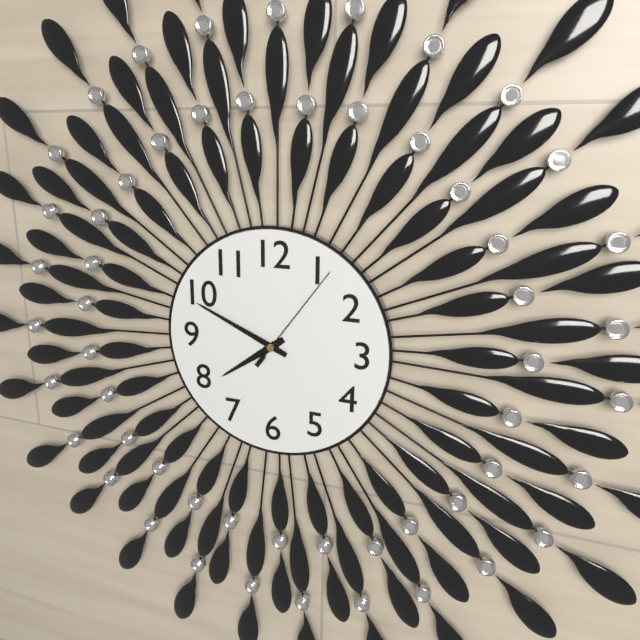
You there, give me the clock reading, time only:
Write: 7:49:06
